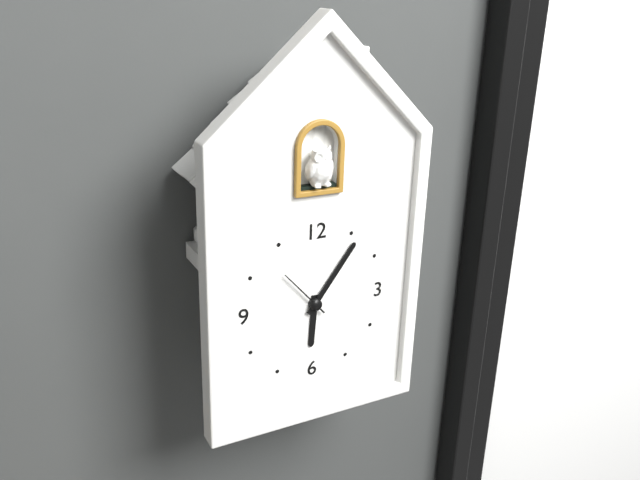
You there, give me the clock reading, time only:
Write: 6:06
